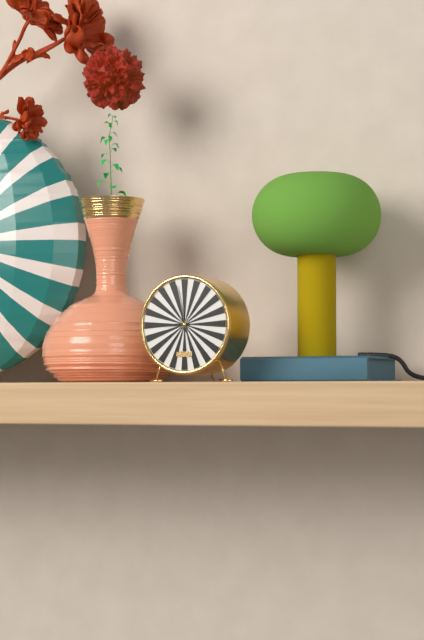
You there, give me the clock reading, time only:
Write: 8:58
